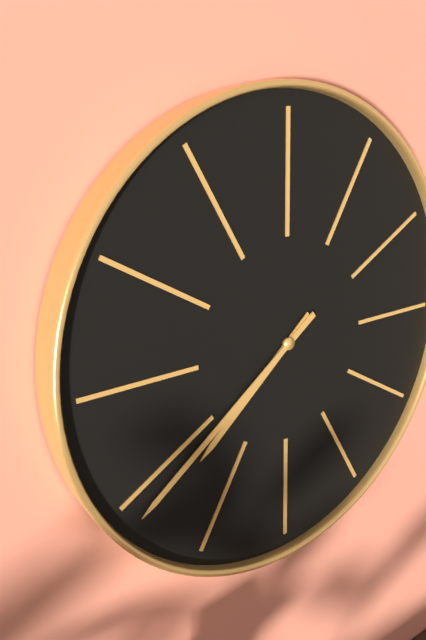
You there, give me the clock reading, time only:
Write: 7:39
